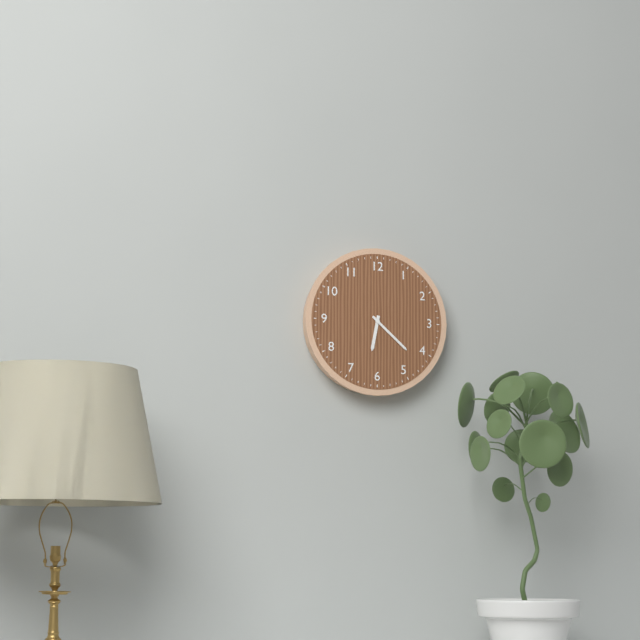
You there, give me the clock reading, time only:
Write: 6:22
